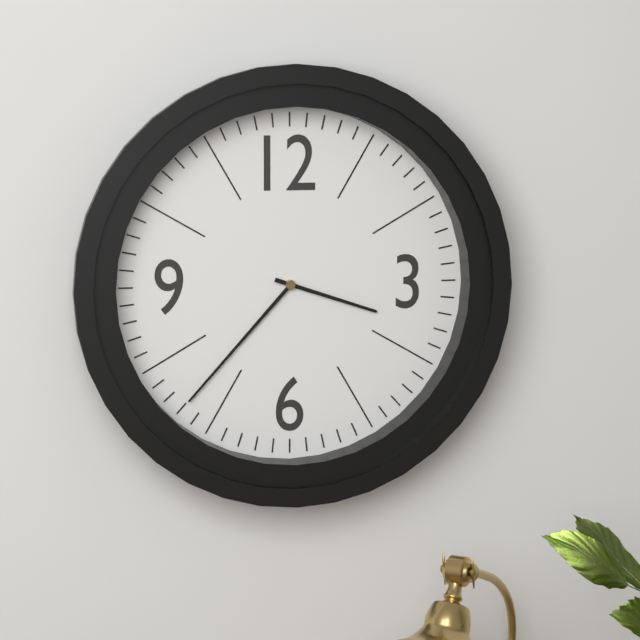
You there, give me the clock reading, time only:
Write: 3:37
